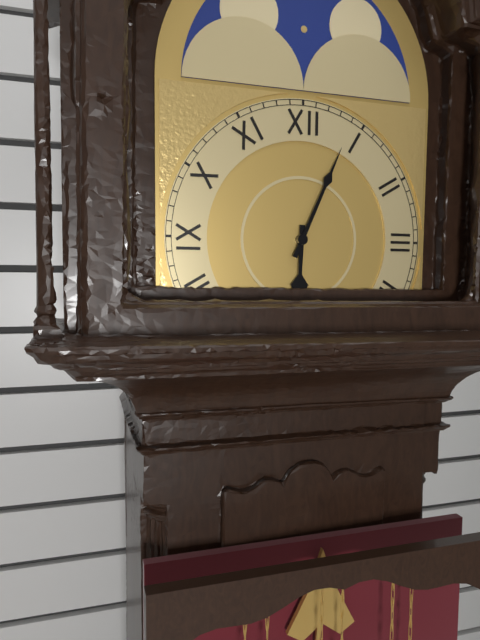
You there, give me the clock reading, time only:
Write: 6:04
